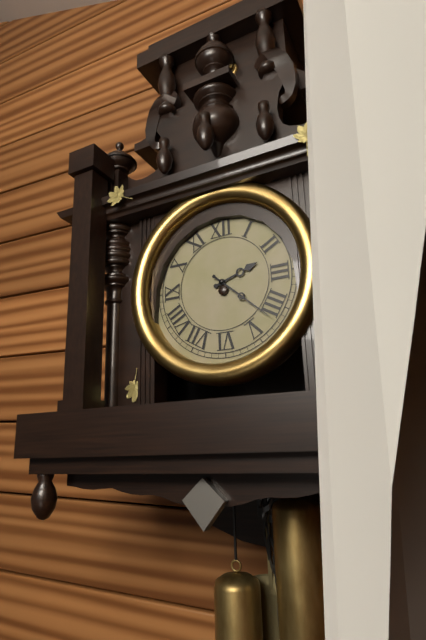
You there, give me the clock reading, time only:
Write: 2:22
